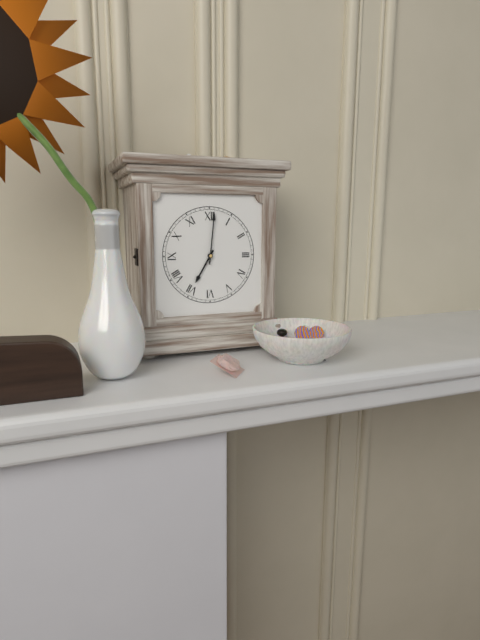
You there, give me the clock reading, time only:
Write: 7:01
